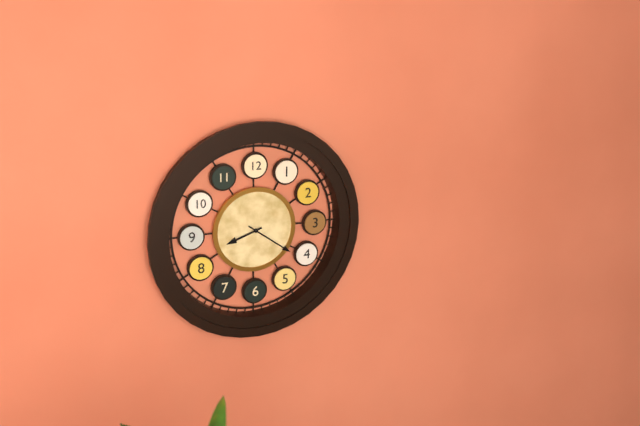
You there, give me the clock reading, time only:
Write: 8:21
